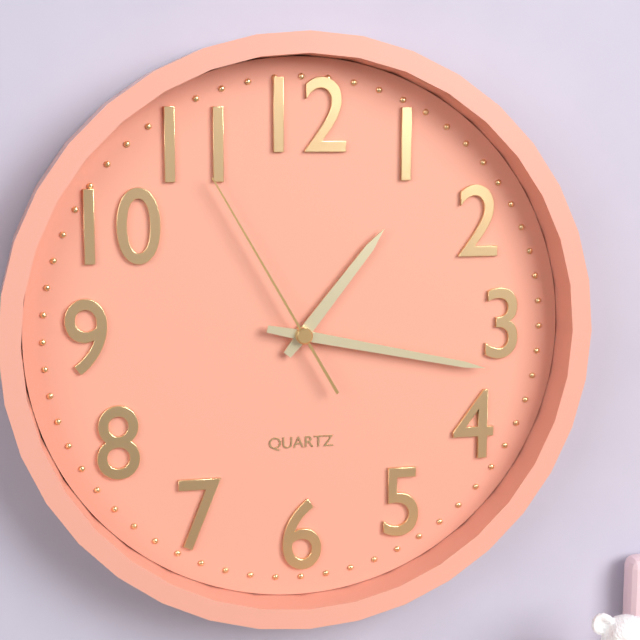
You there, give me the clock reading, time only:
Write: 1:17:55
